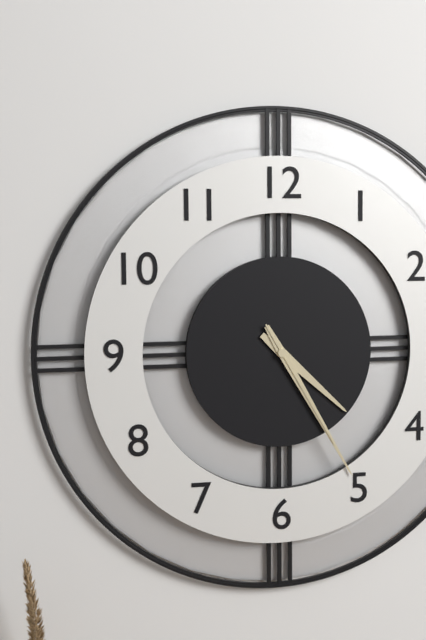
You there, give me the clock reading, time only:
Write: 4:25:25
